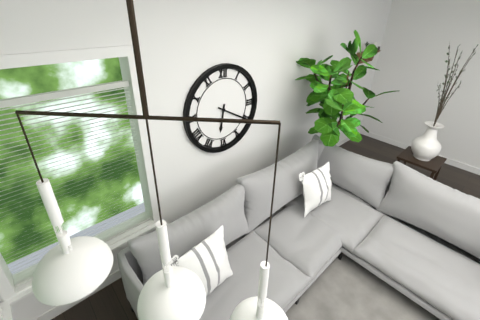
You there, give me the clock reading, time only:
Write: 6:20
